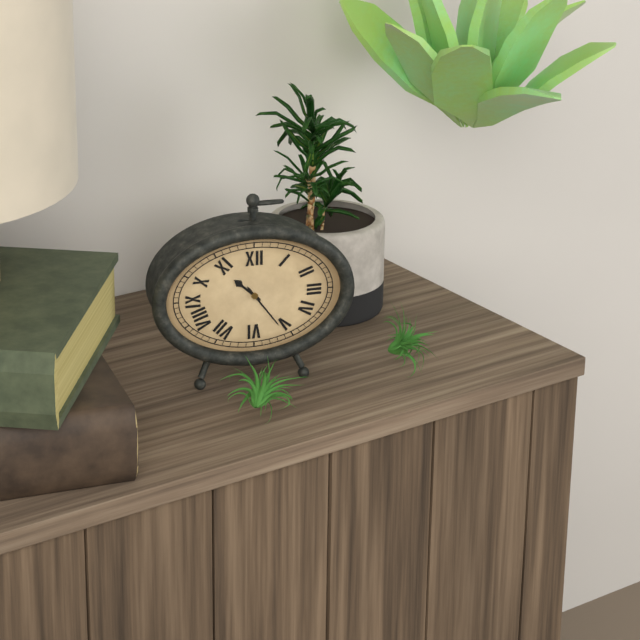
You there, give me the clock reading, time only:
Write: 10:24
